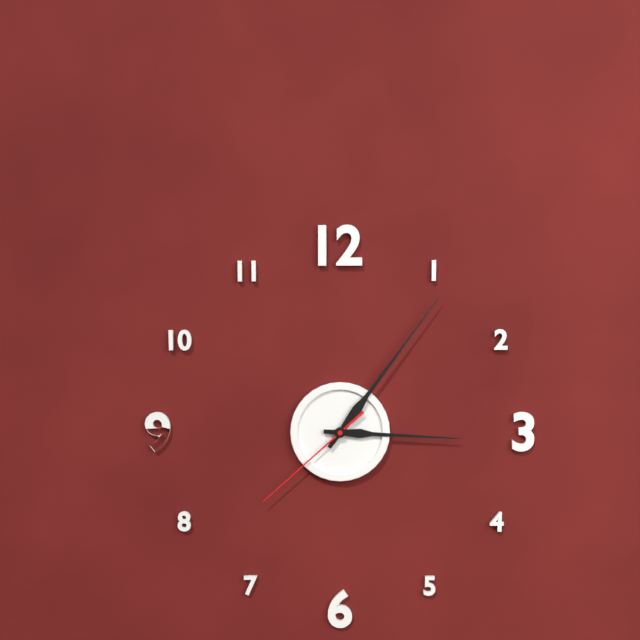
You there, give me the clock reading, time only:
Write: 3:06:38
